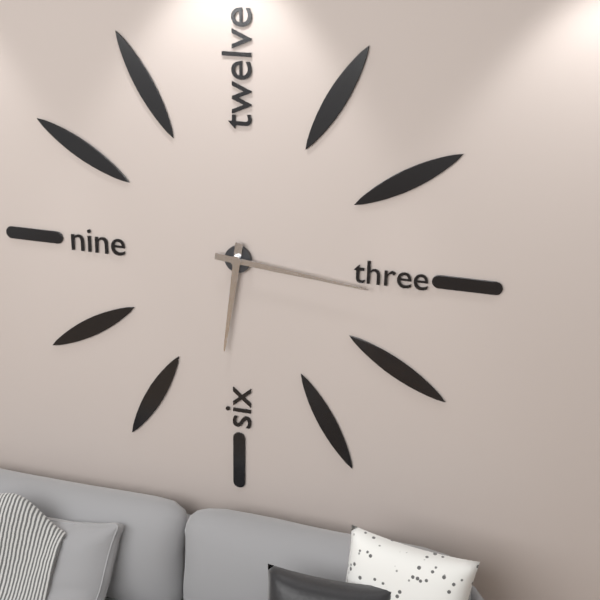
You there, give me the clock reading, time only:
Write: 6:16
